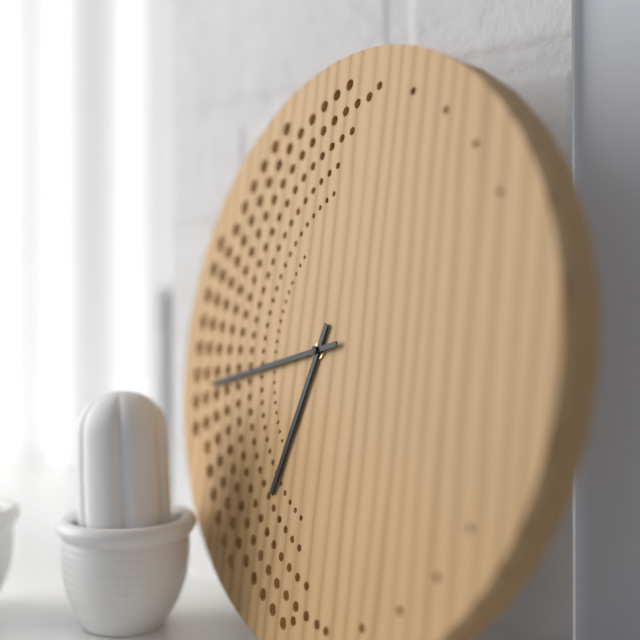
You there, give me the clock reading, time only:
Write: 6:43
